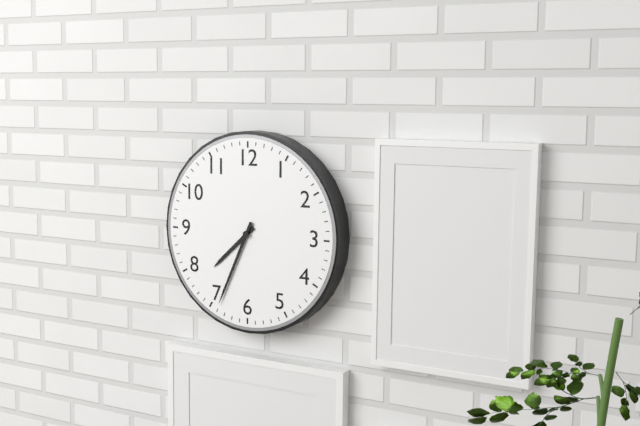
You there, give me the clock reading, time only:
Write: 7:34
